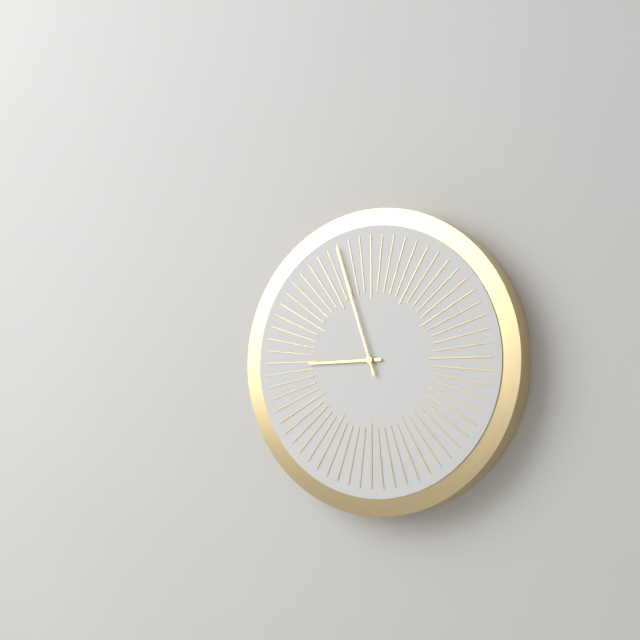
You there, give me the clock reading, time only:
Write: 8:57
